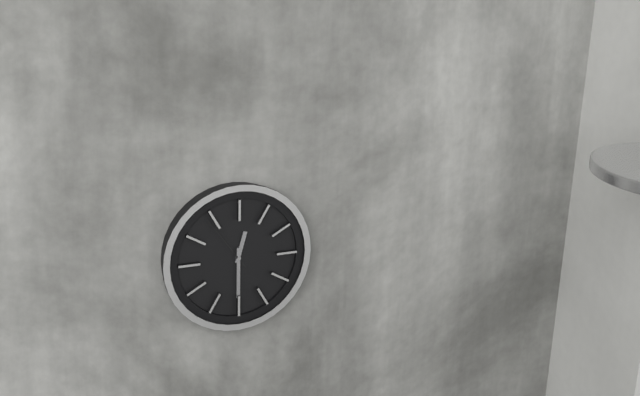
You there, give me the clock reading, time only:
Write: 12:30:54
